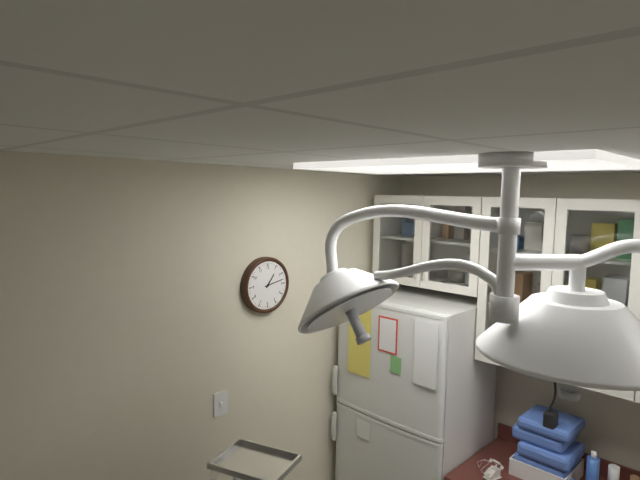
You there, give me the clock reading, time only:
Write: 1:13
